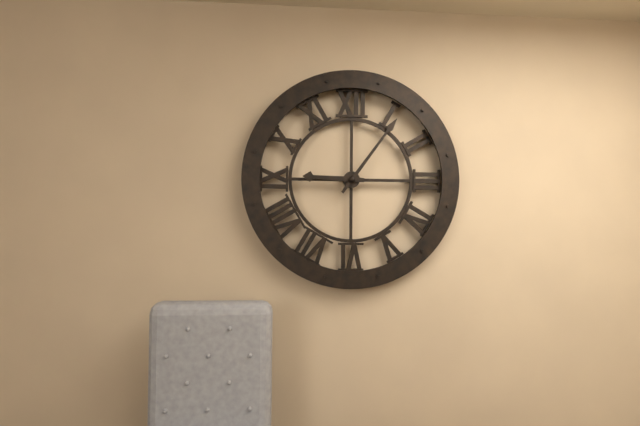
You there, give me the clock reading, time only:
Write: 9:06
